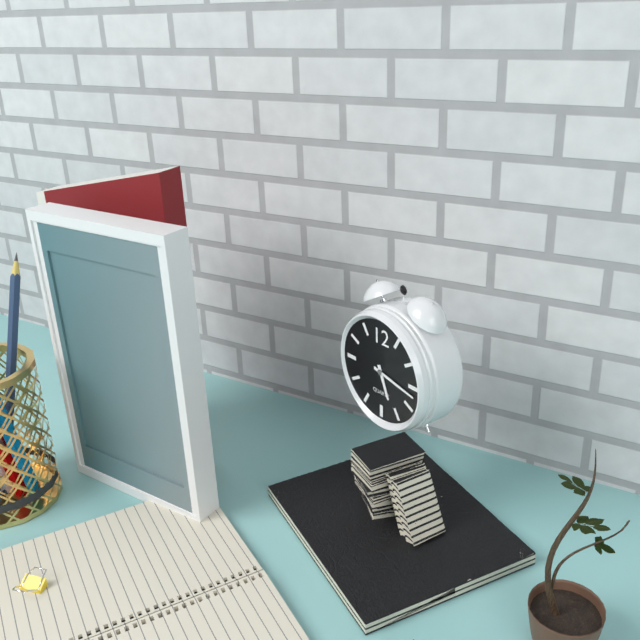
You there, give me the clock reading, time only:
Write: 5:17
